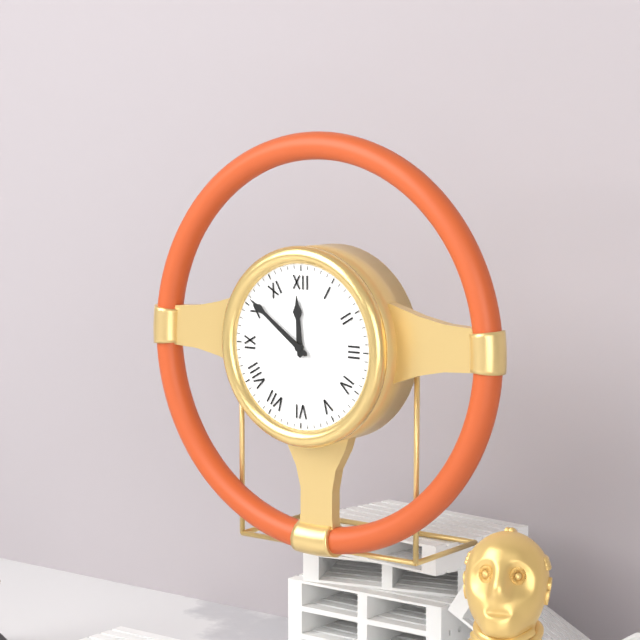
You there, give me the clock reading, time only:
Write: 11:51
